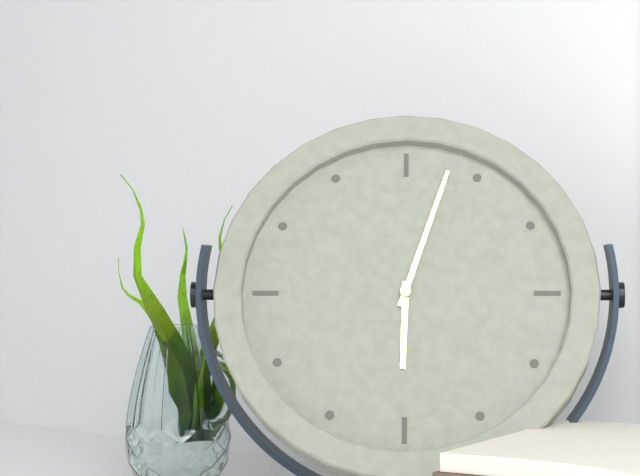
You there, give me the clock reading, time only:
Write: 6:03
